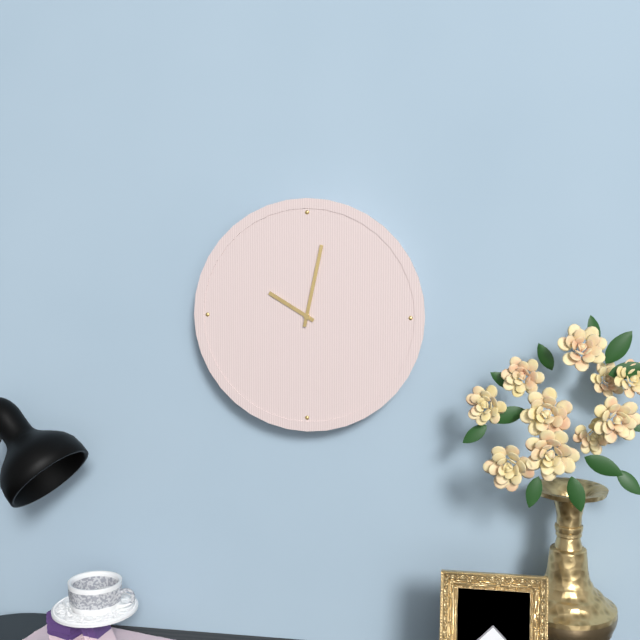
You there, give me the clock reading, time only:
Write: 10:02
